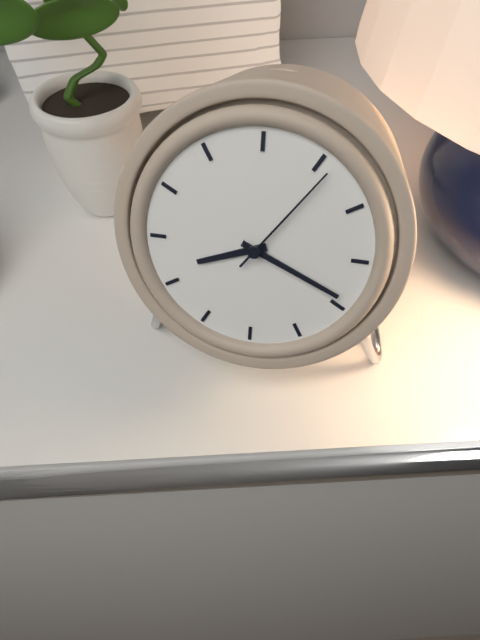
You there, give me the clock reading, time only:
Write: 8:19:06
